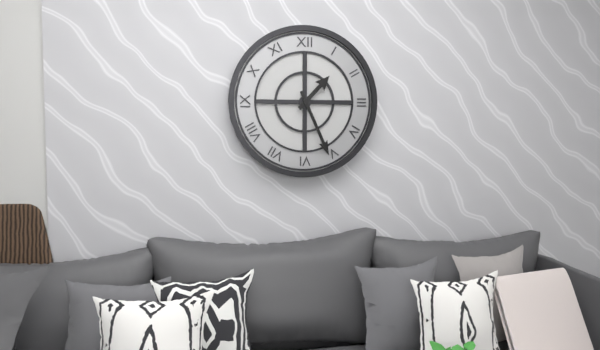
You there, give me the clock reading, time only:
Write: 1:26
